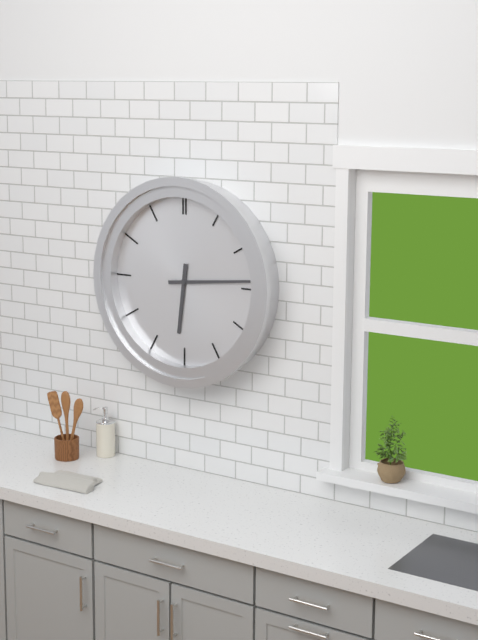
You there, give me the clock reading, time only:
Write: 6:14
